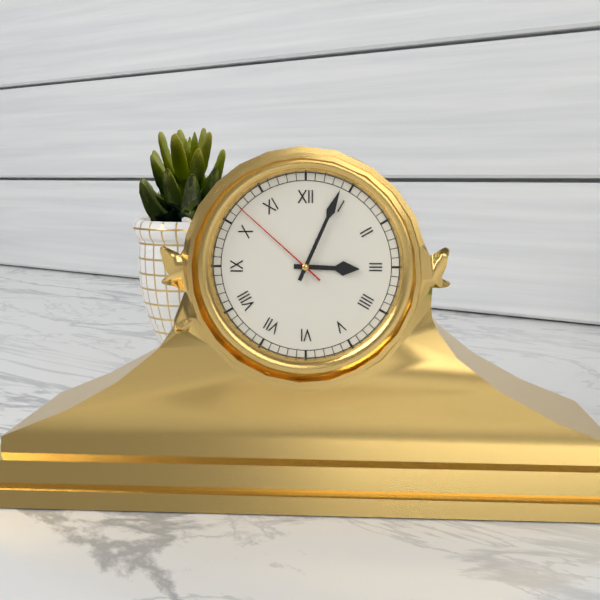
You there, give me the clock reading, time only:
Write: 3:04:52
